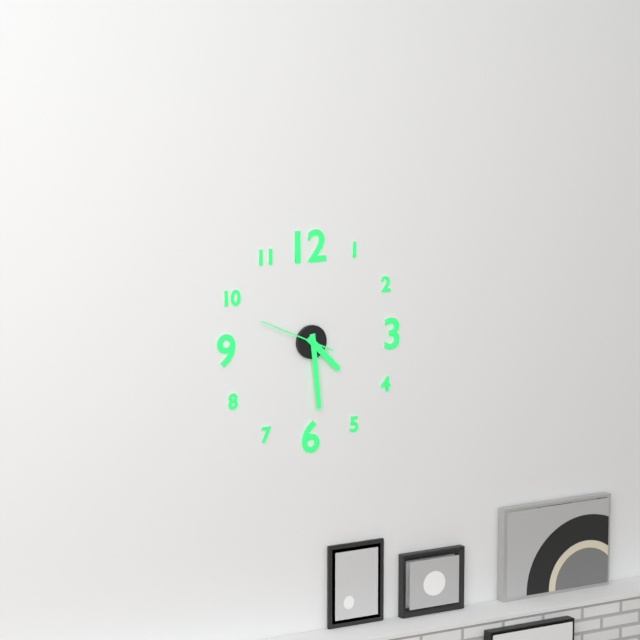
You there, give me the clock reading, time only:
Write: 4:29:49
